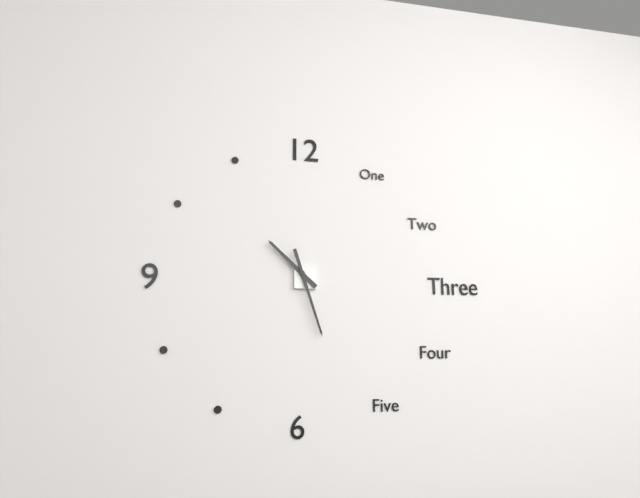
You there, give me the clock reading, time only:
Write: 10:27
